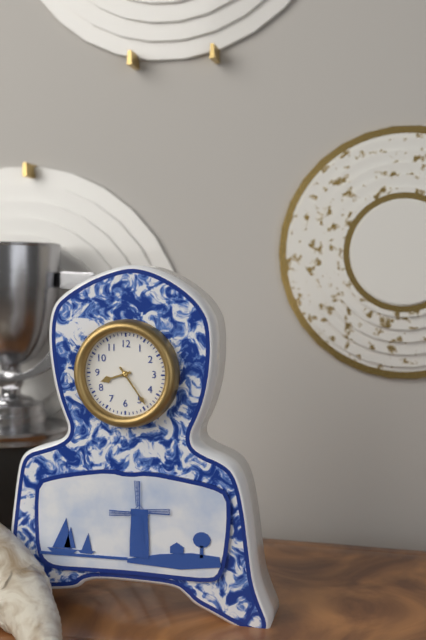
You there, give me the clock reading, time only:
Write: 8:24
